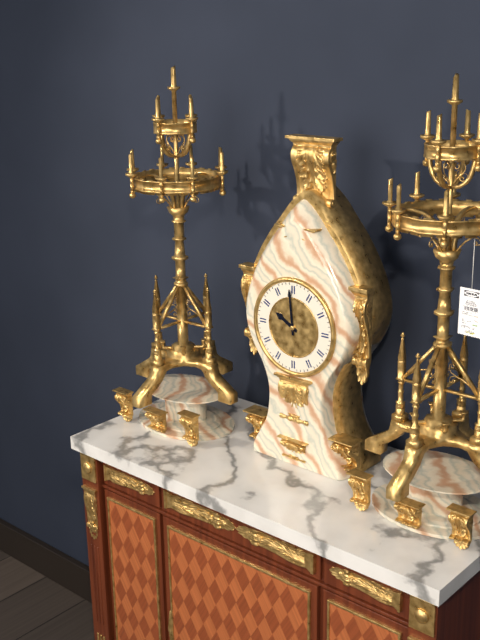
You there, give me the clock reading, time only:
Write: 9:59
